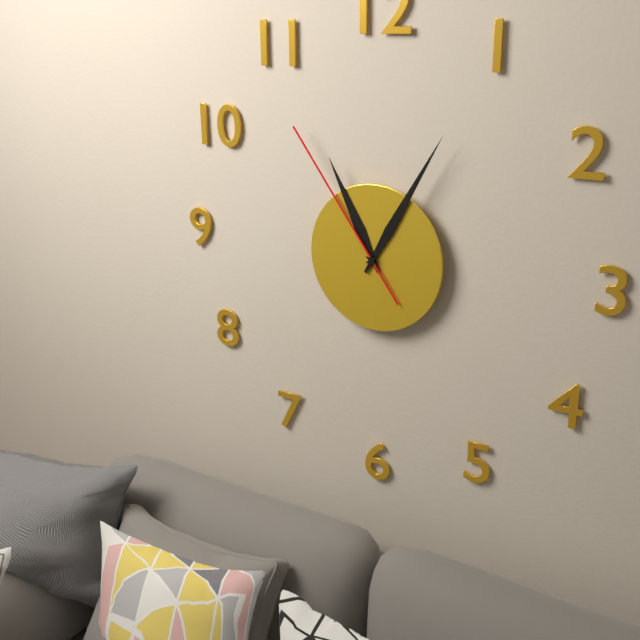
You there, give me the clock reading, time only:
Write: 11:05:54
